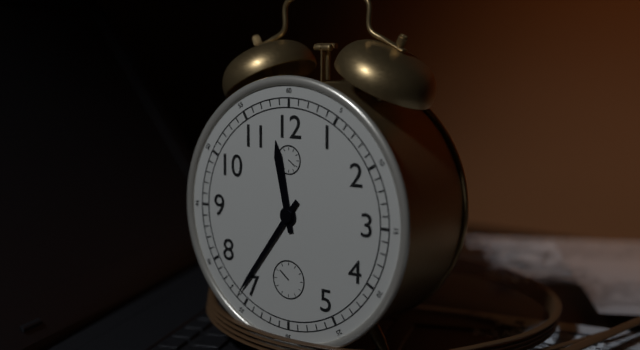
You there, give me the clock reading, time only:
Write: 11:36
